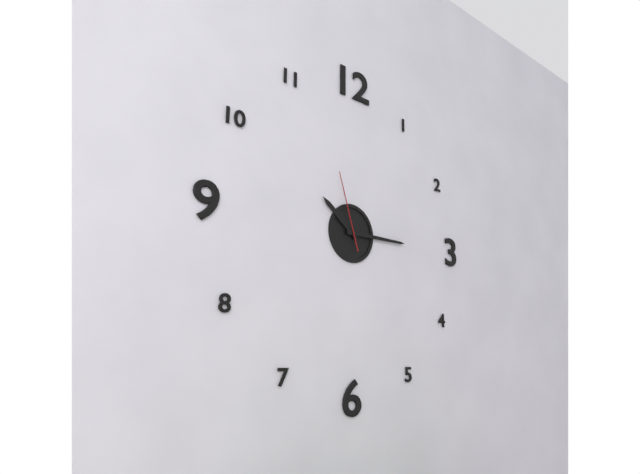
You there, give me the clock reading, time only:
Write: 10:15:57
